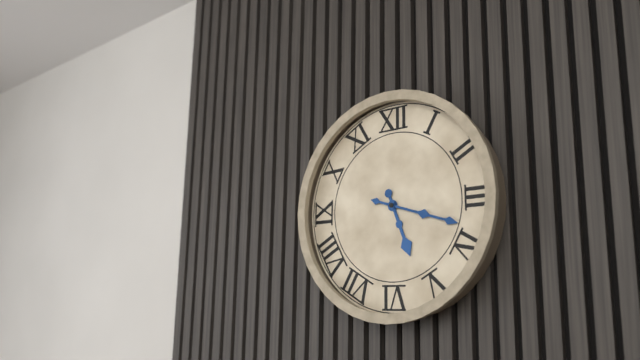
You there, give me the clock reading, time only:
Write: 5:18
